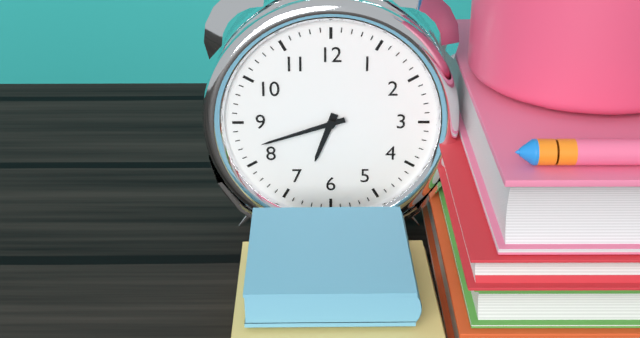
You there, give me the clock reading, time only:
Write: 6:42
